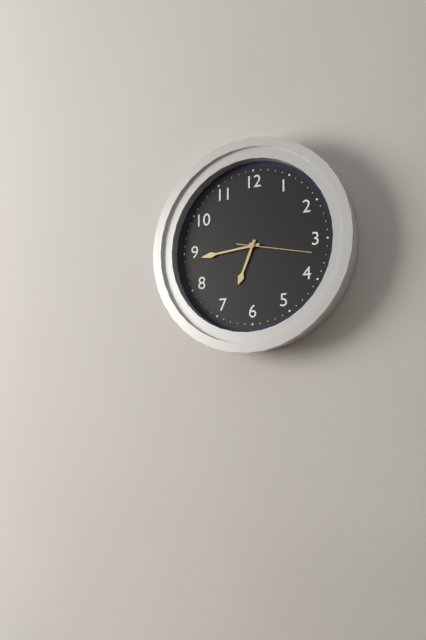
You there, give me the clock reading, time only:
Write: 6:44:17
